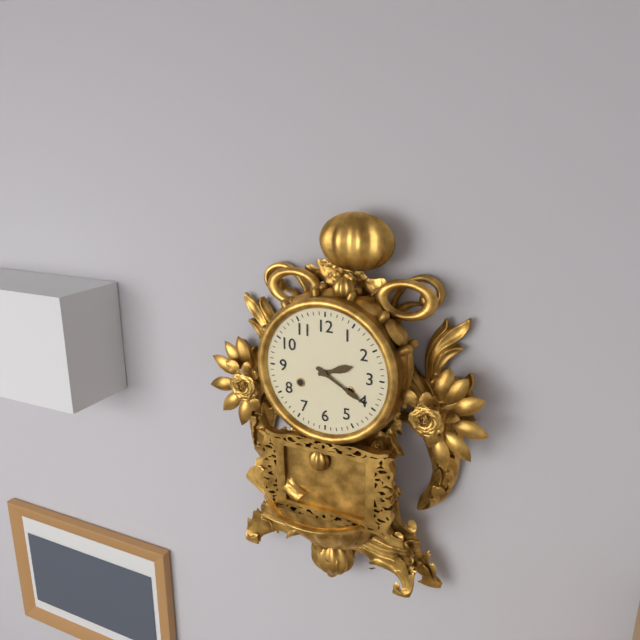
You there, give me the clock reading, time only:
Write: 2:20
